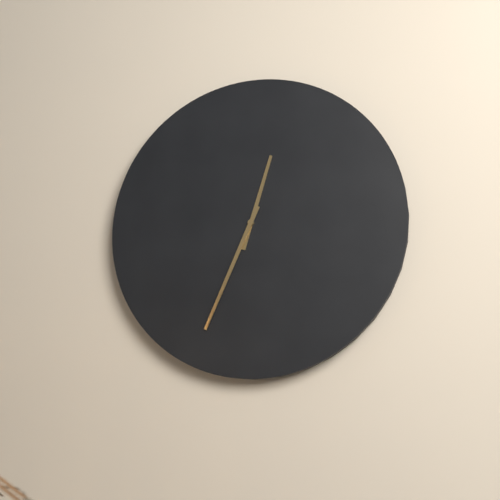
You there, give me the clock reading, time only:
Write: 12:34
